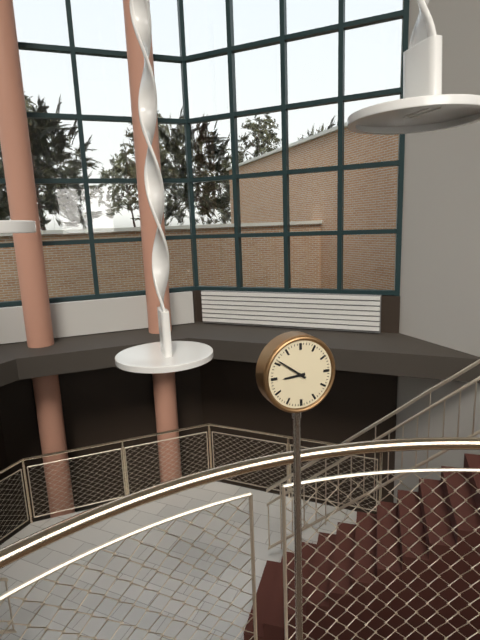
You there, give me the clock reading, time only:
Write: 8:51
